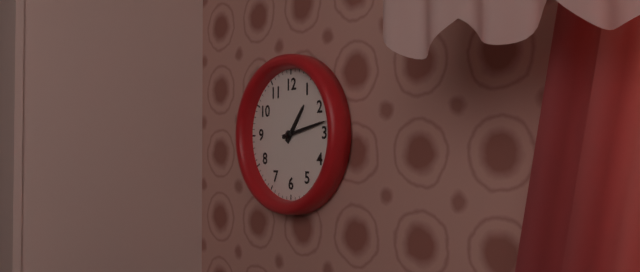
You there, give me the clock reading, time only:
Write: 1:13
